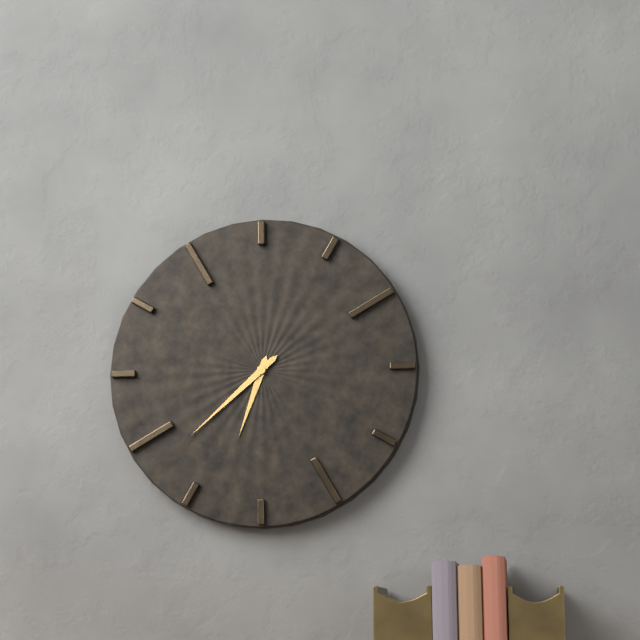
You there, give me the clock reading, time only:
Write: 6:38
